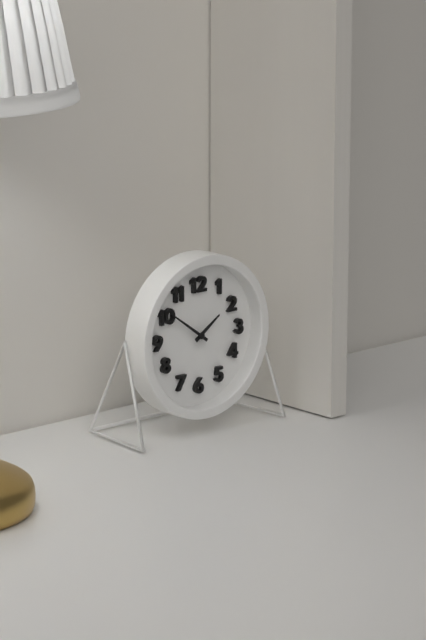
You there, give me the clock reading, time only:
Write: 1:51
